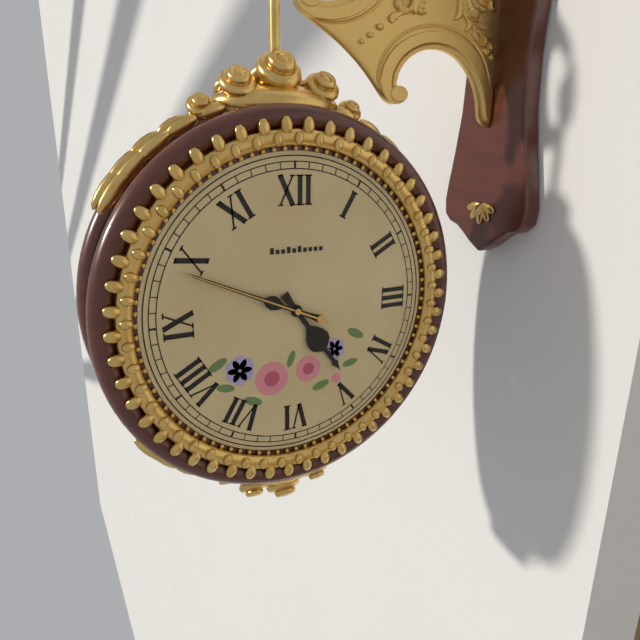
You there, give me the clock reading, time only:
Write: 4:49:49
